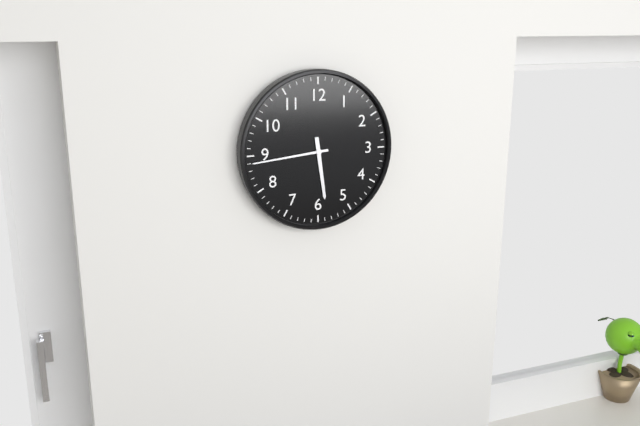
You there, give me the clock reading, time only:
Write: 5:44
